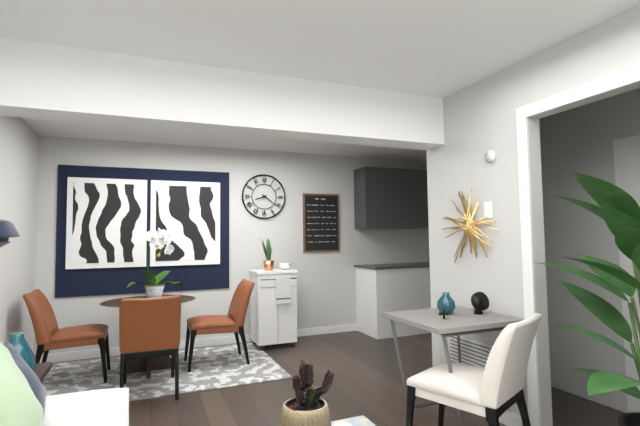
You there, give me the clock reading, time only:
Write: 8:21
